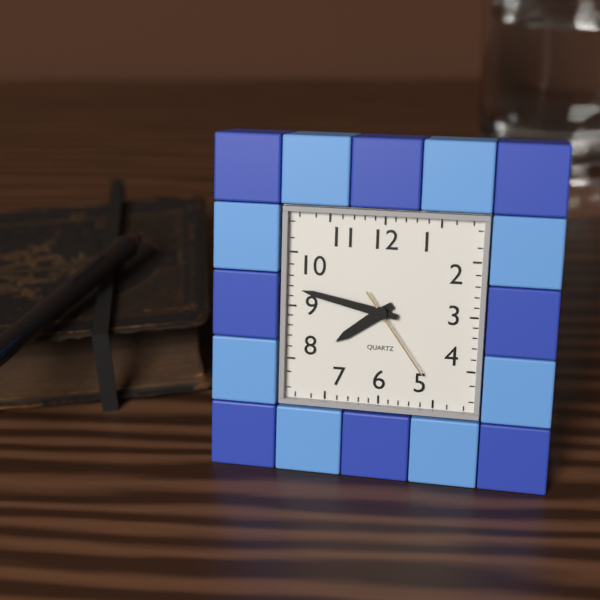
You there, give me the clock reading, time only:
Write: 7:47:24
